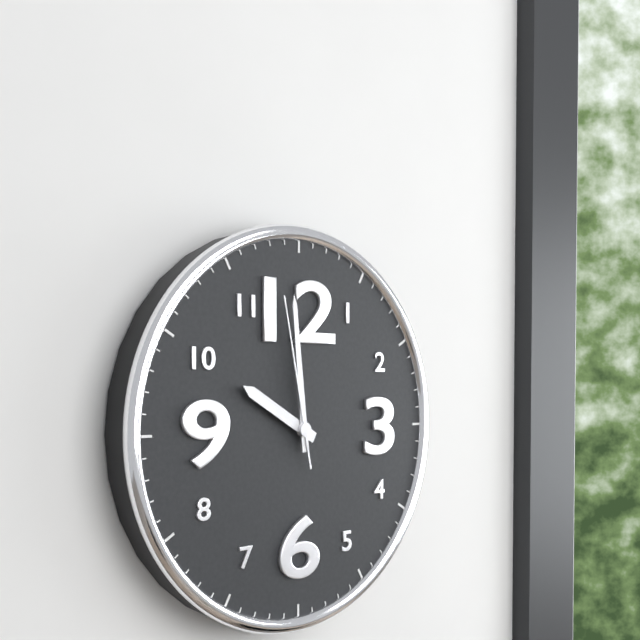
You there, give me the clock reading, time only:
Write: 9:59:58
